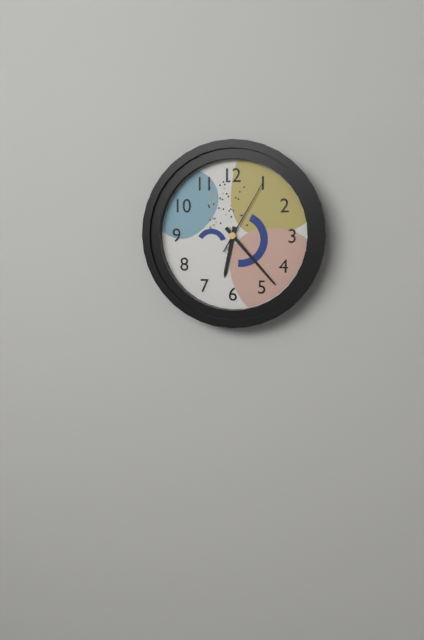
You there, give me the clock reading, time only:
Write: 6:23:05
